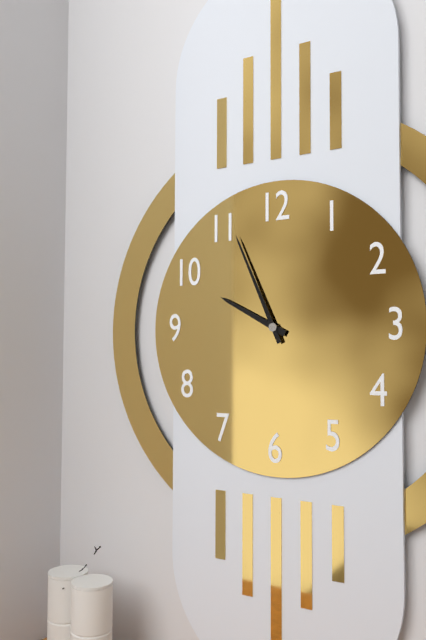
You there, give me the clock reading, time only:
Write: 9:56
